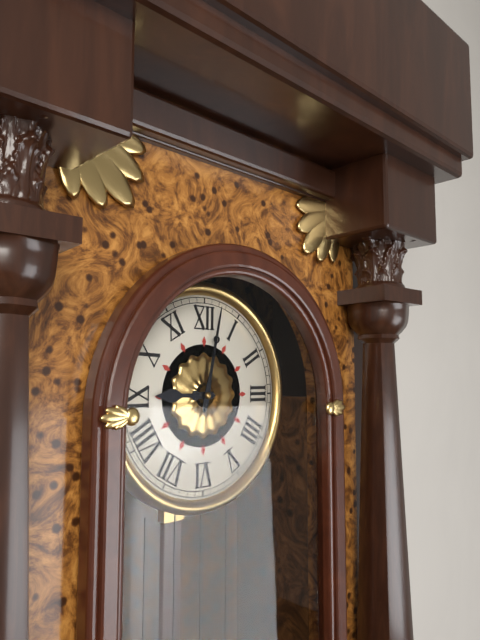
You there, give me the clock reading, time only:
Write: 9:02
